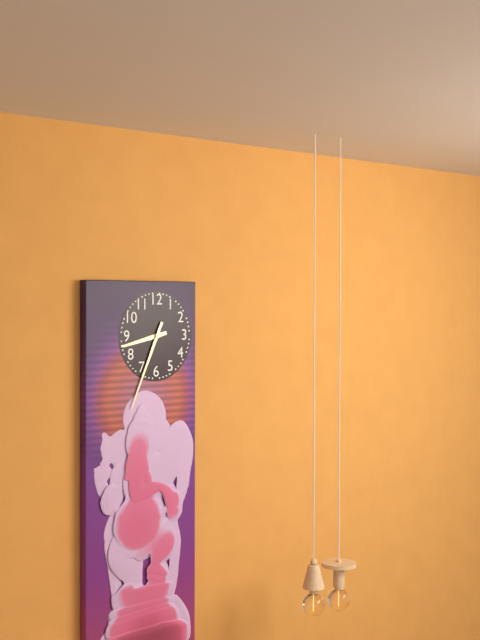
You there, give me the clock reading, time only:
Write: 8:34
